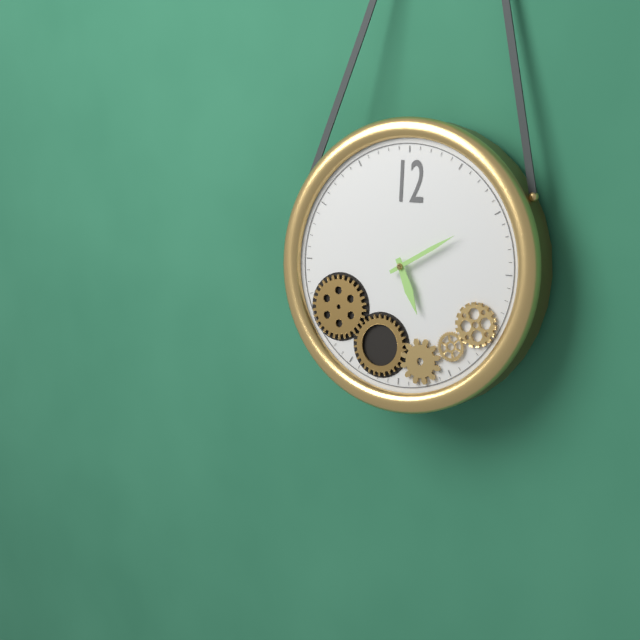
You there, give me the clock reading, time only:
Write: 5:10
